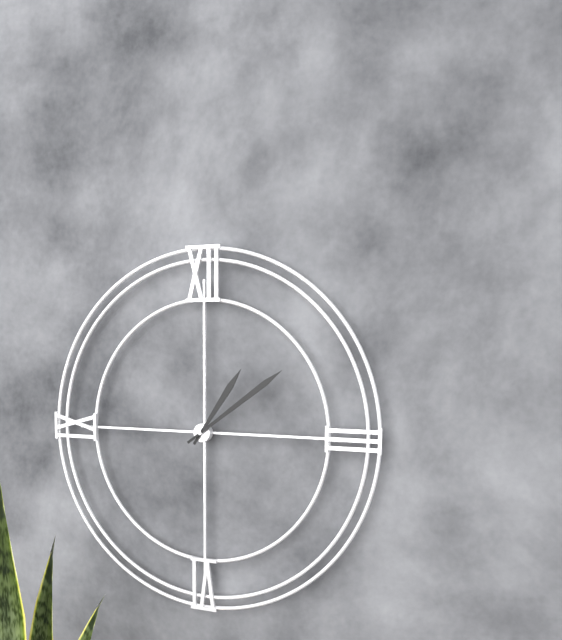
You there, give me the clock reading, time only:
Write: 1:09
